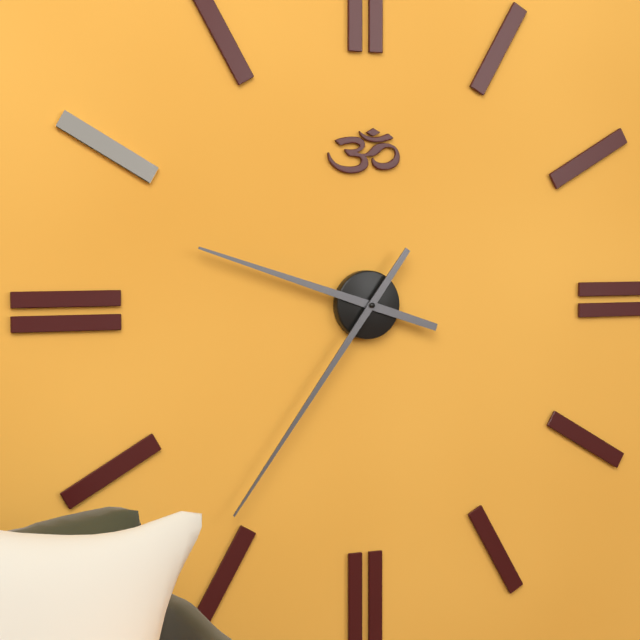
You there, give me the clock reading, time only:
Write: 9:36
